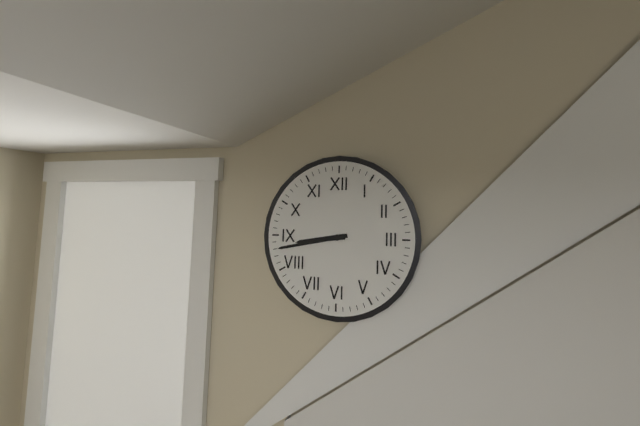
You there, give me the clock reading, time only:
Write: 8:43
